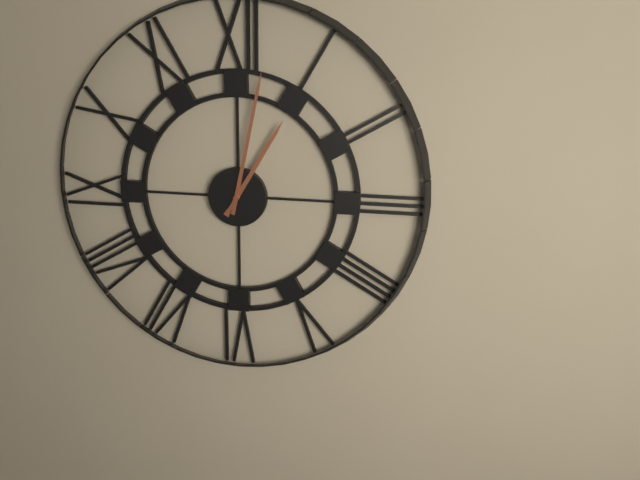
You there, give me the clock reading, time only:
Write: 1:02
